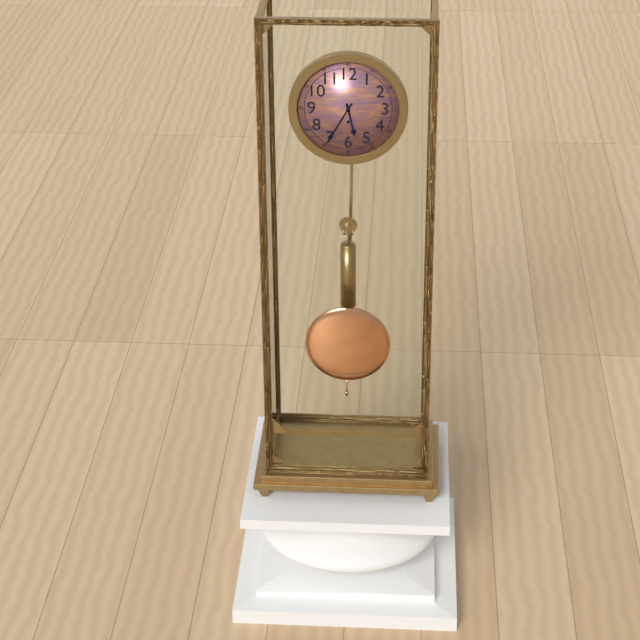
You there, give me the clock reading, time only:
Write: 5:35
